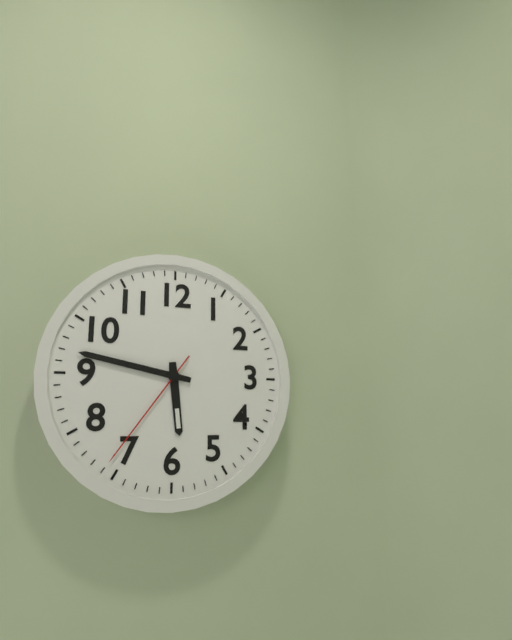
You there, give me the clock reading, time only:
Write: 5:47:36
